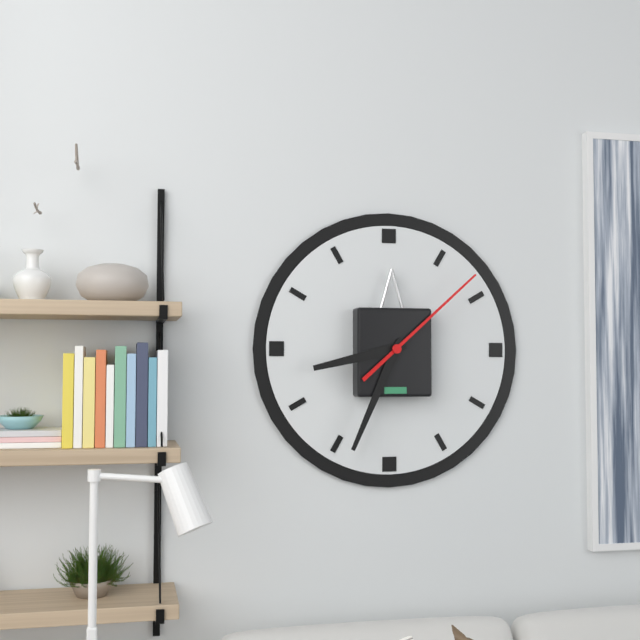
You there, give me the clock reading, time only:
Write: 8:34:08
